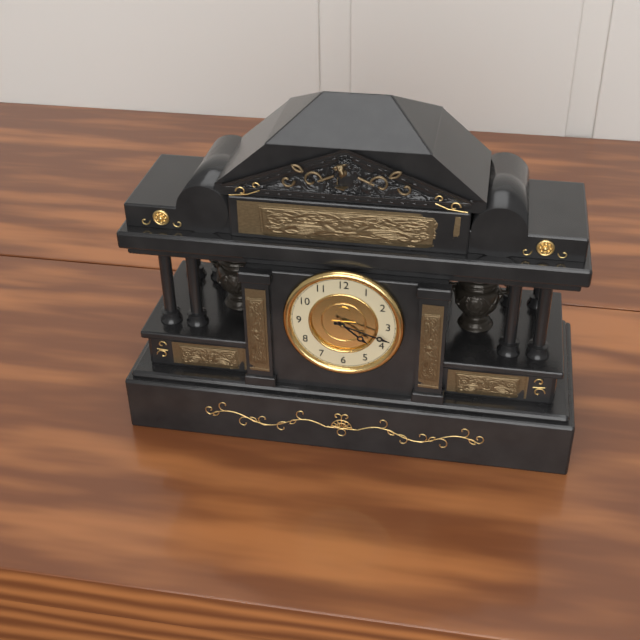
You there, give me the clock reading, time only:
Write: 4:18
